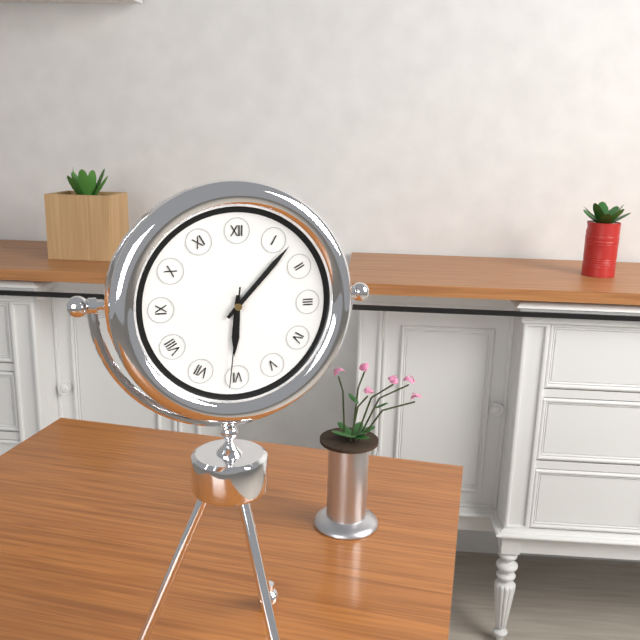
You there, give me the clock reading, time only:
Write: 6:07:31
